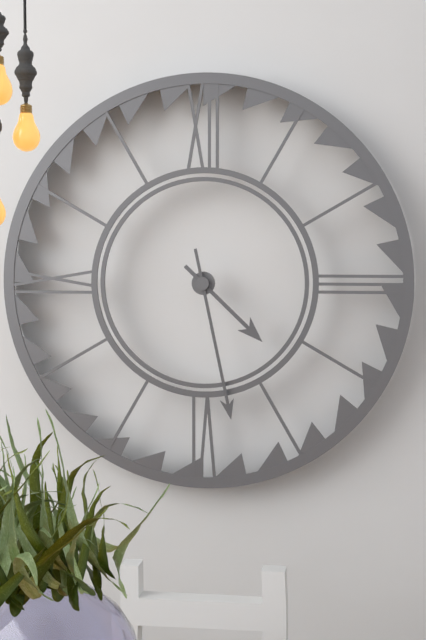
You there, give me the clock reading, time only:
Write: 4:28
